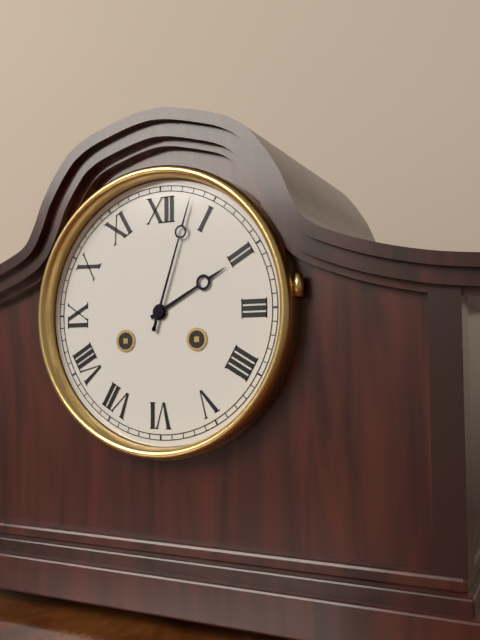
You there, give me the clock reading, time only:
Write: 2:03
